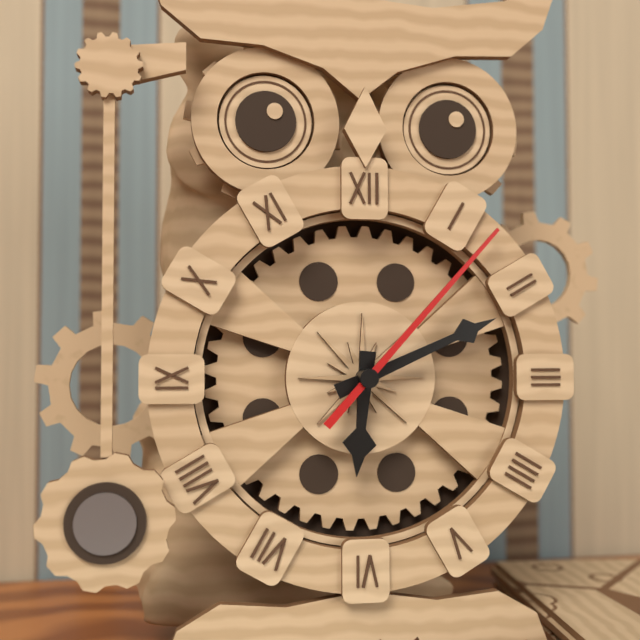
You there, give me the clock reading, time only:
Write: 6:11:07
